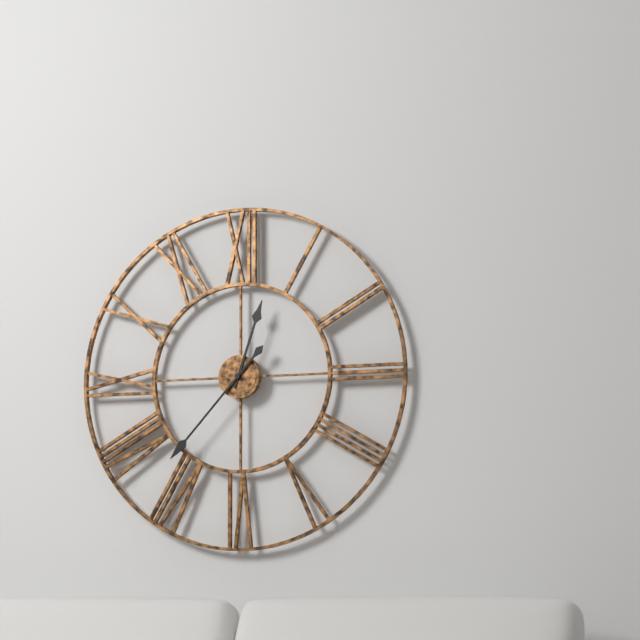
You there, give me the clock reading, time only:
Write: 12:37
